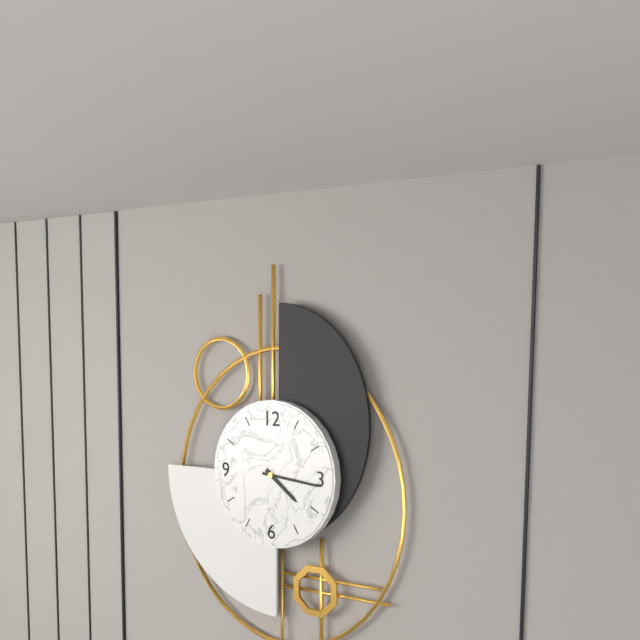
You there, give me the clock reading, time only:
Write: 4:16
